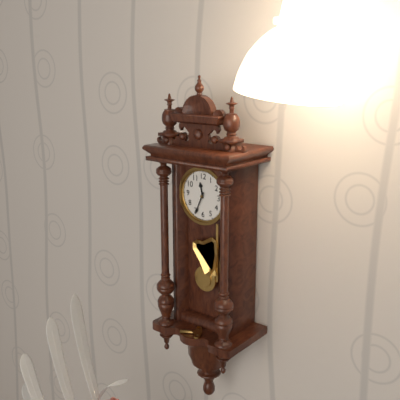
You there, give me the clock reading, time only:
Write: 11:34
